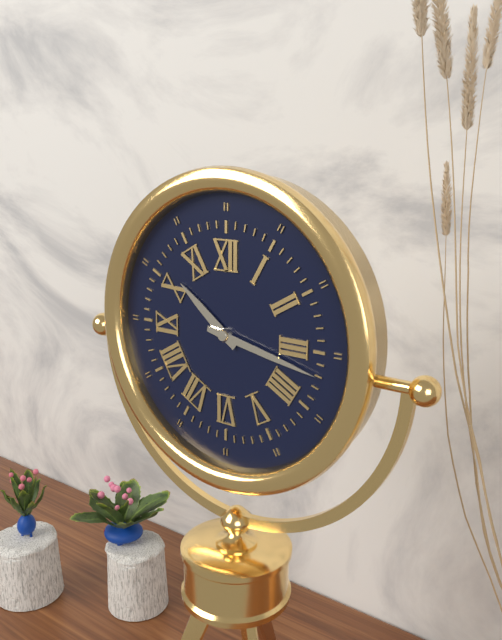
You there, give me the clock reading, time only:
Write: 10:17
